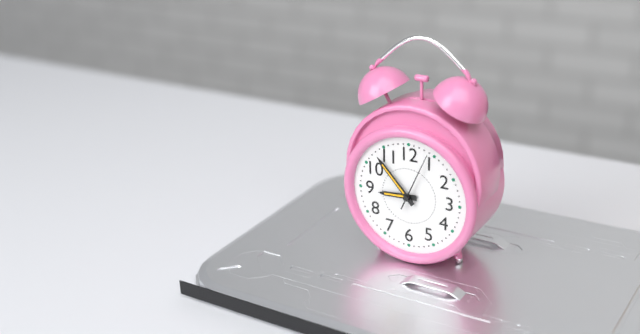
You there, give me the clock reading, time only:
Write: 8:53:04
